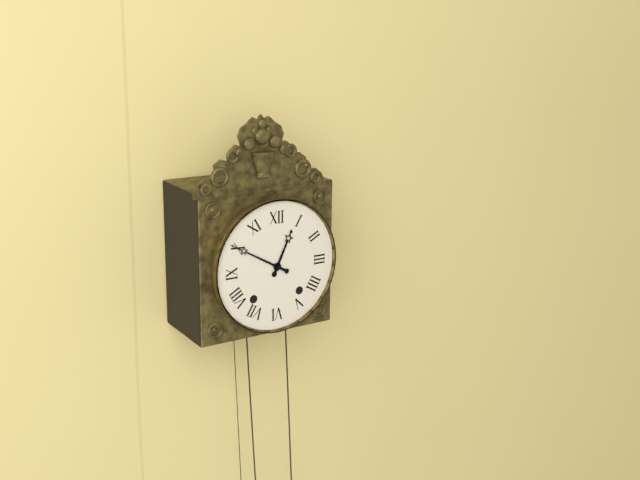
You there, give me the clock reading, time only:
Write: 12:50
